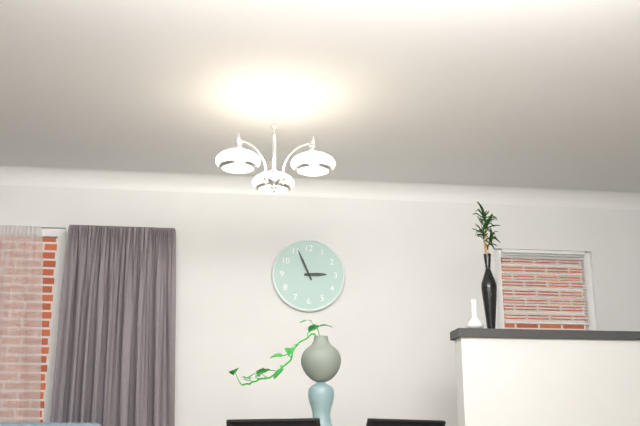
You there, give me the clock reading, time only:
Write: 2:56
